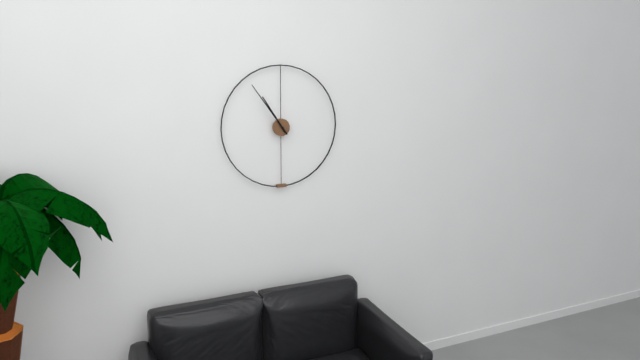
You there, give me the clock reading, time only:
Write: 10:54
